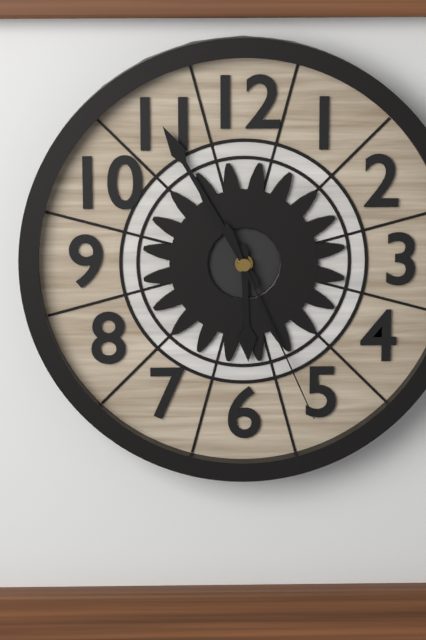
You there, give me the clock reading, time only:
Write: 5:55:26
